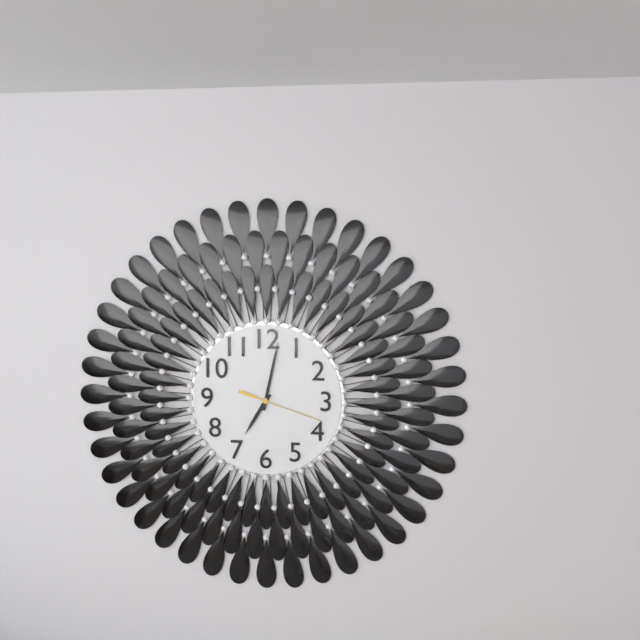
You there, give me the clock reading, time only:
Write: 7:02:18
